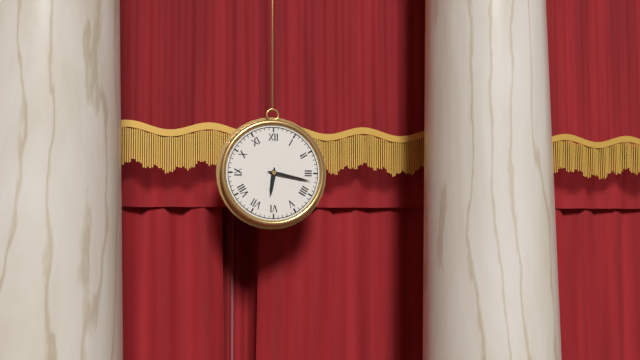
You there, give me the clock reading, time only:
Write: 6:17
